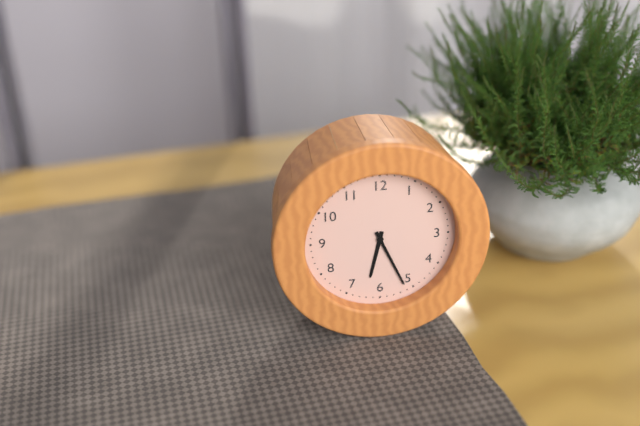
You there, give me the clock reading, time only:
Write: 6:26
